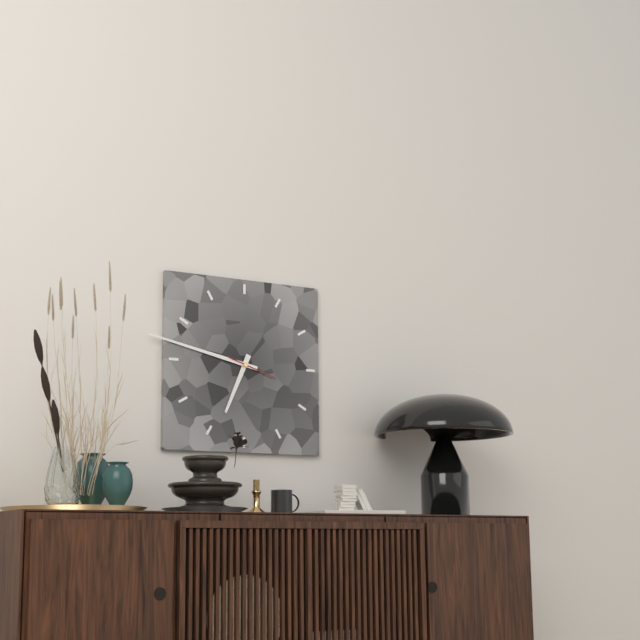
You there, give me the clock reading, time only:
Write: 6:47
